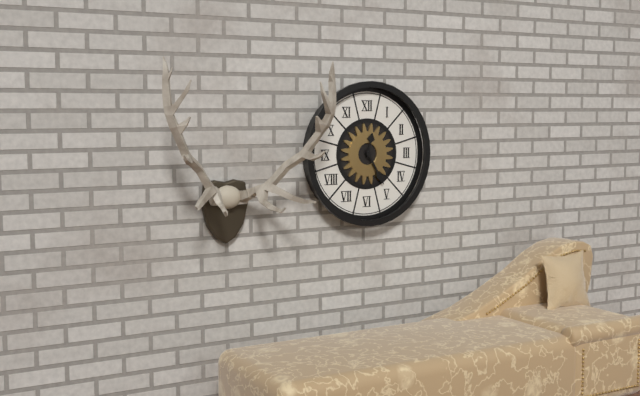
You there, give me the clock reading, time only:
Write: 12:25
